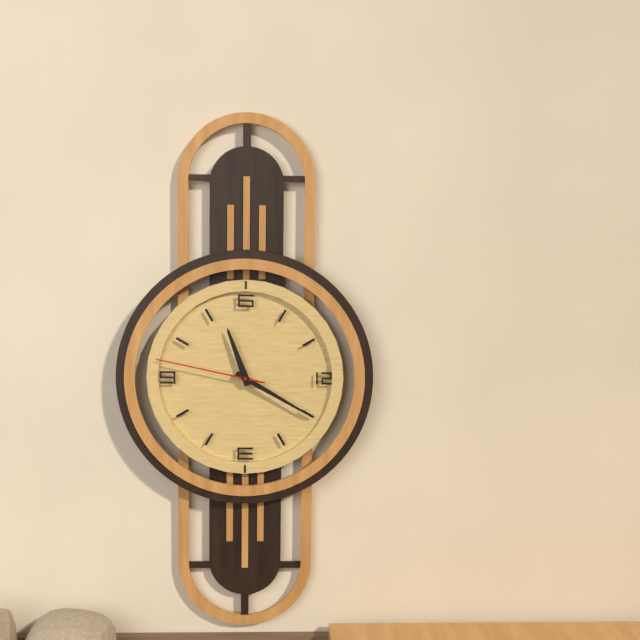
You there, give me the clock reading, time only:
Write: 11:20:47
